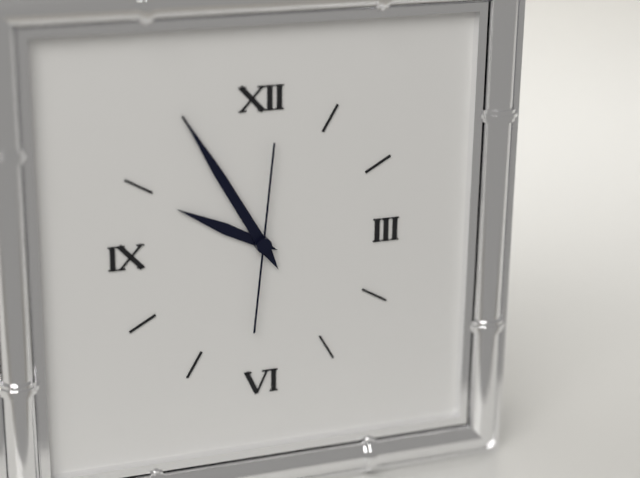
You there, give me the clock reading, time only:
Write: 9:55:01
